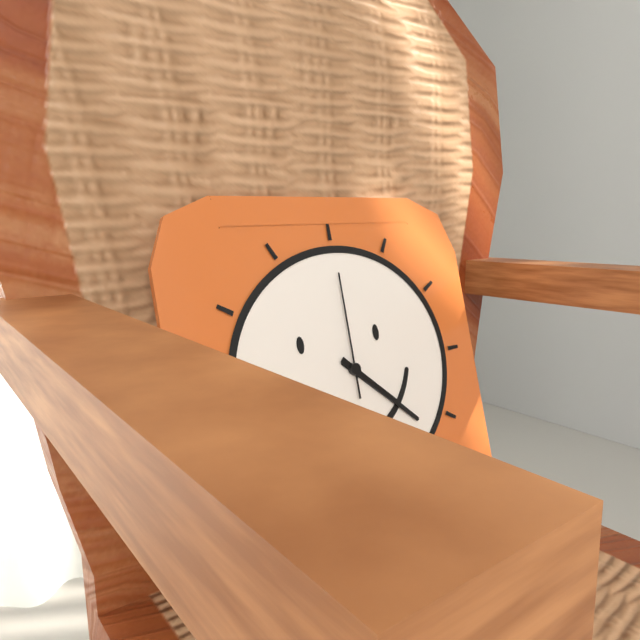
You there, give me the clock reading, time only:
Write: 4:22:00
